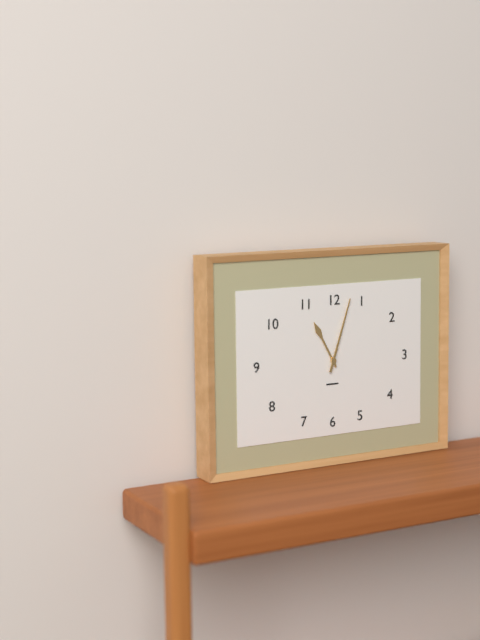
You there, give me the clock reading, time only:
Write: 11:03
